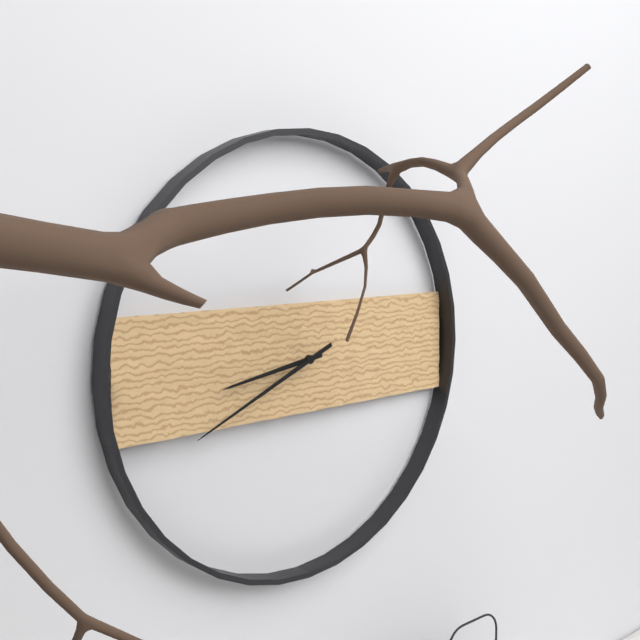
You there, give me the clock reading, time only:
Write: 8:41
